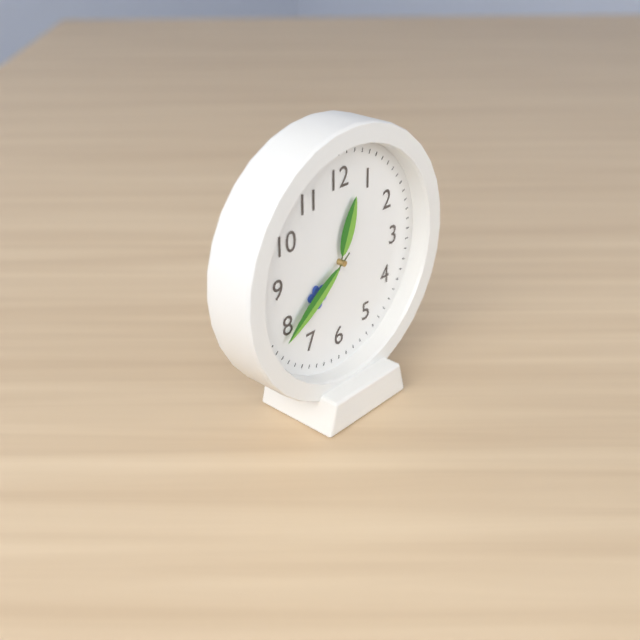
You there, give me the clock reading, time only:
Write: 12:39
